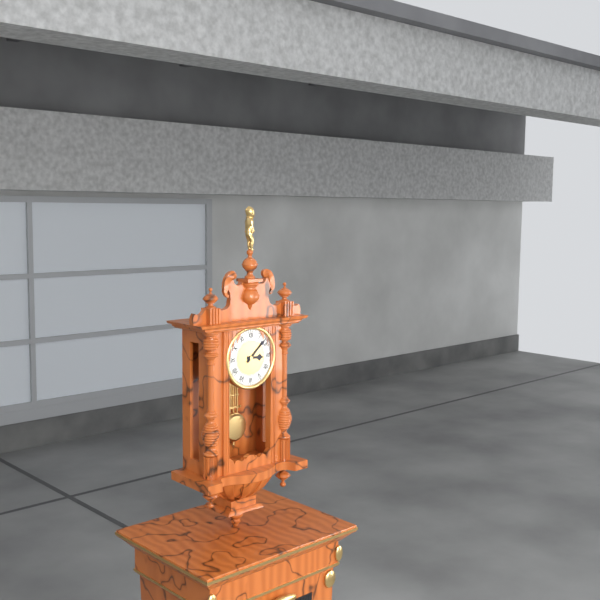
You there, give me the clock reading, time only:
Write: 3:08
